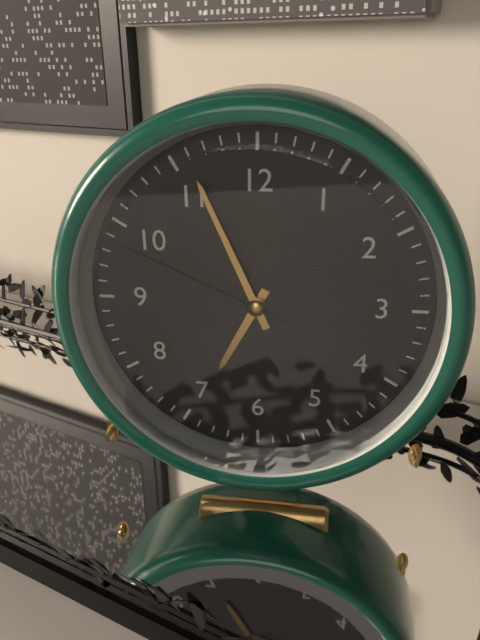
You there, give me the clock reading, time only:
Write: 6:56:49
